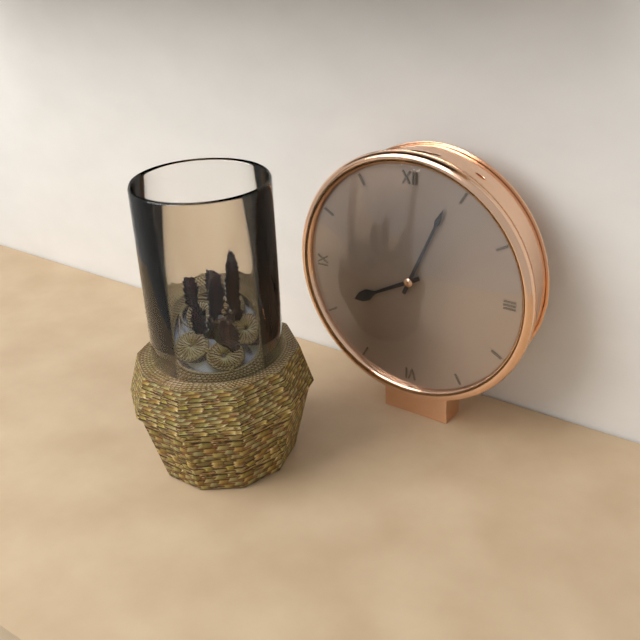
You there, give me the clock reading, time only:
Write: 8:04
